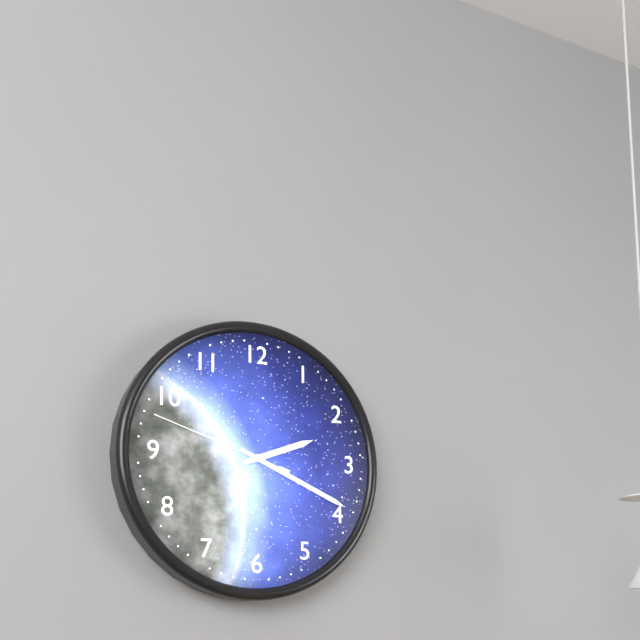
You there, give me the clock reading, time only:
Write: 2:19:48
